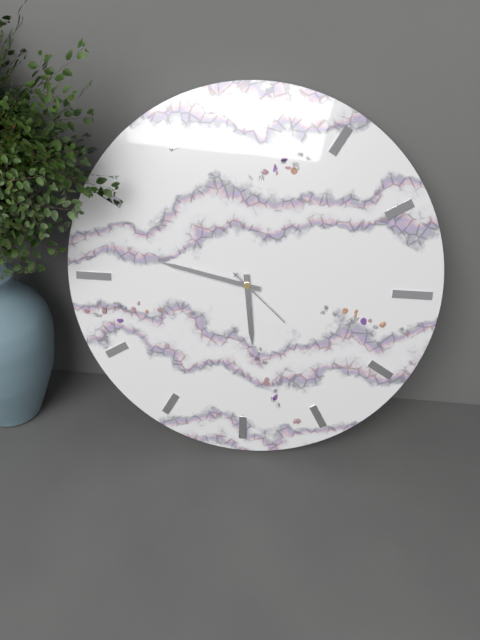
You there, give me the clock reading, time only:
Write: 5:47:22
